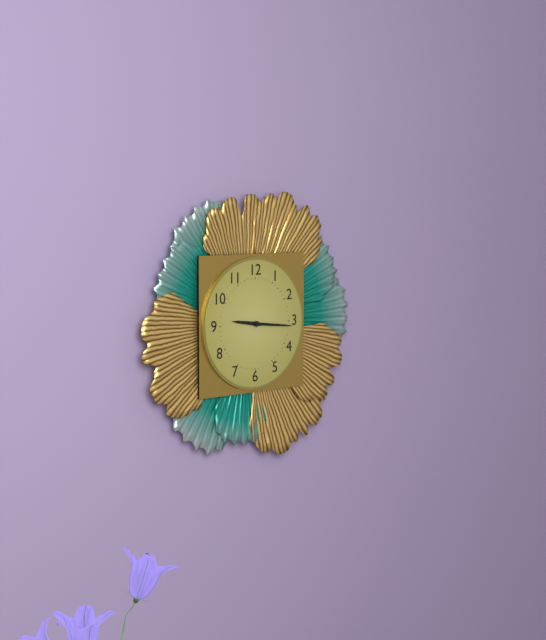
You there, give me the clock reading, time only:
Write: 9:16
